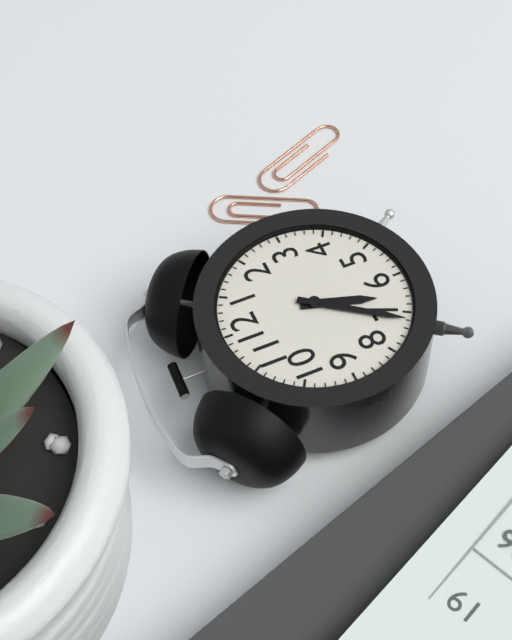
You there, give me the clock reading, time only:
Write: 6:36
